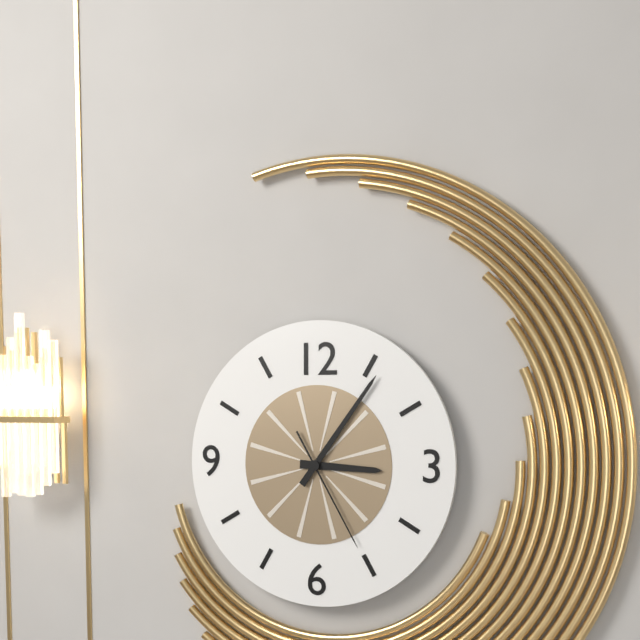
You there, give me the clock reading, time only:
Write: 3:06:25
